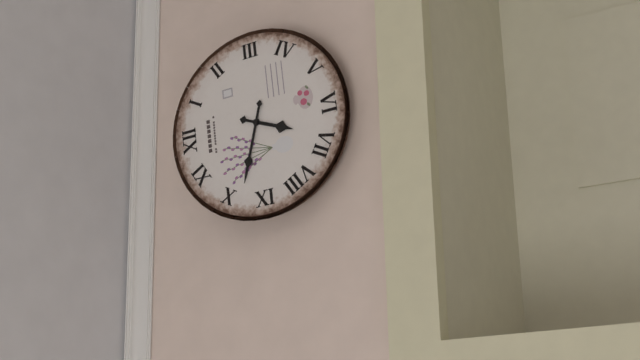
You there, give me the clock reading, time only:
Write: 6:48
